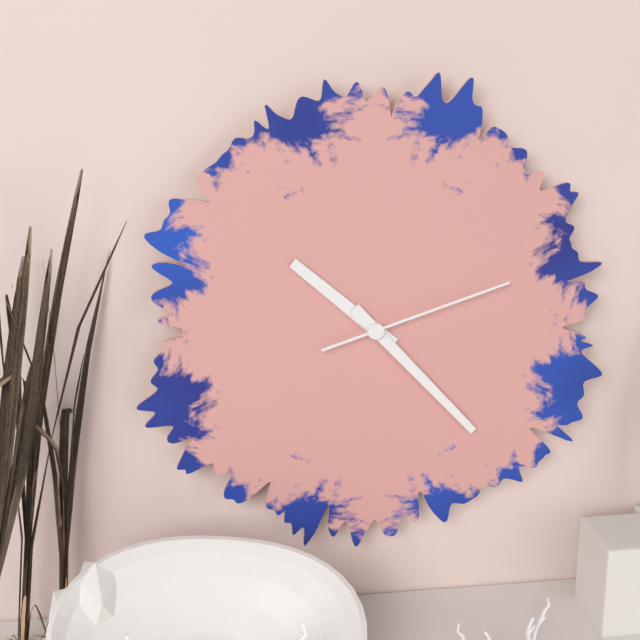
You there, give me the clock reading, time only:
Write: 10:23:12
